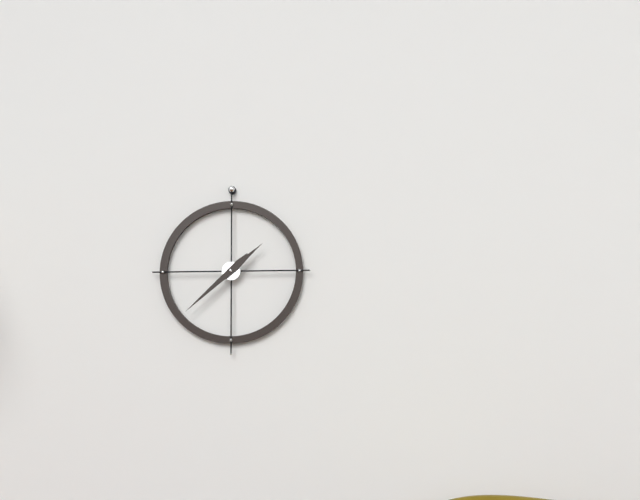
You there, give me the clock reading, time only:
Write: 1:38
